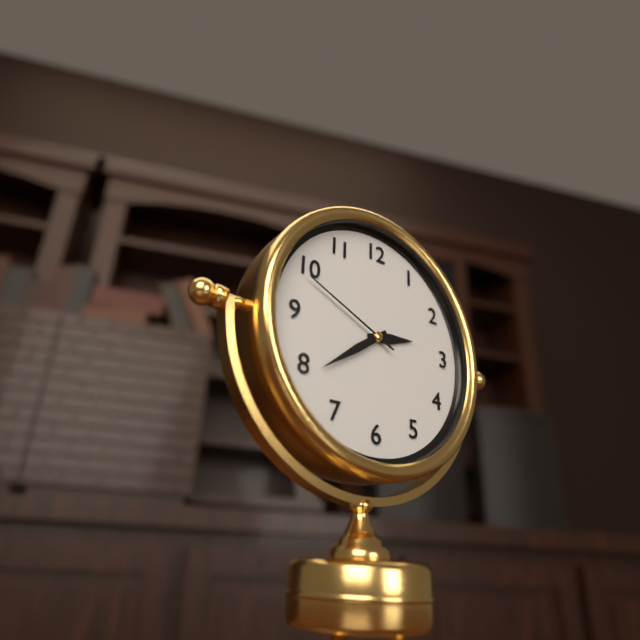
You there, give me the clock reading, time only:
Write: 2:39:49
